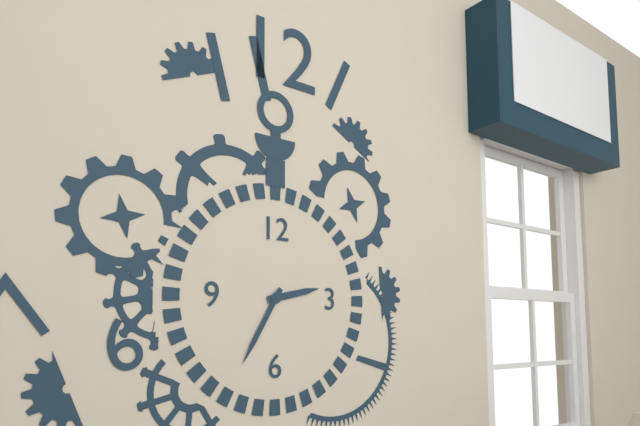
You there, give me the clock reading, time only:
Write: 2:35
